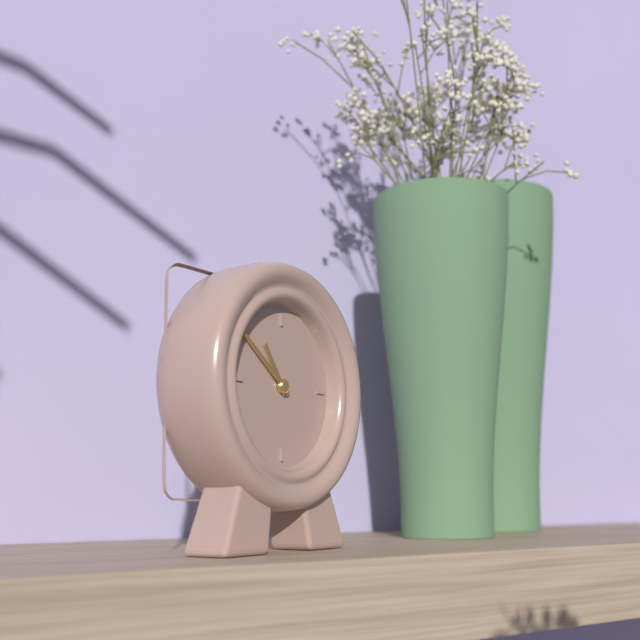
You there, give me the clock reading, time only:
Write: 10:51
